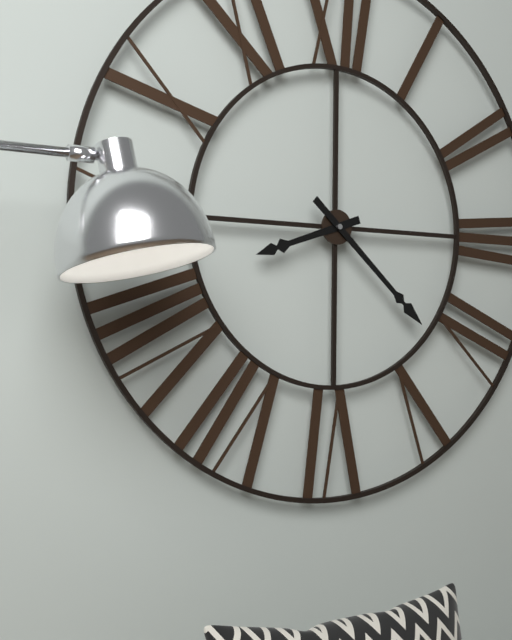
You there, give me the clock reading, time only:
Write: 8:22
